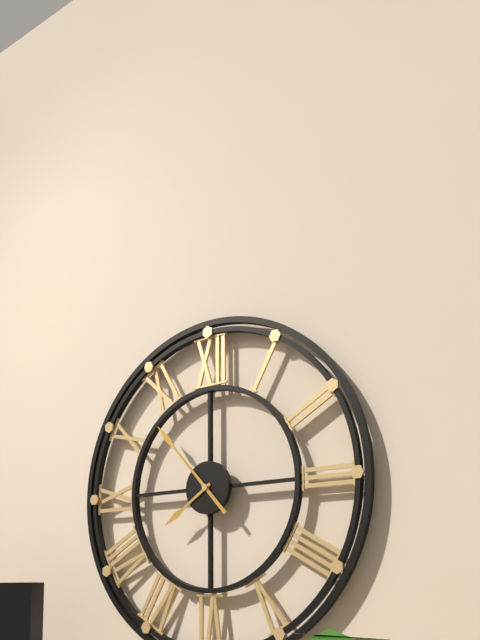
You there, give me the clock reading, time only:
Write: 7:53
